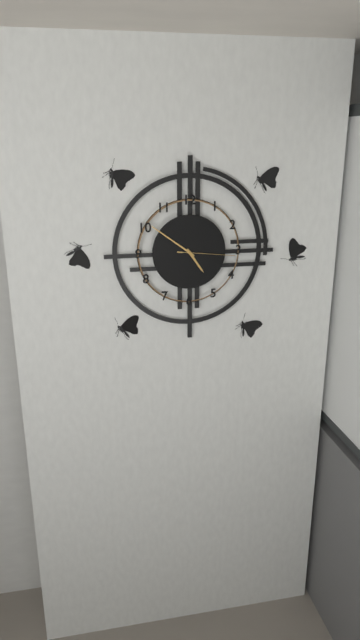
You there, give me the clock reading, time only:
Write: 4:51:16
